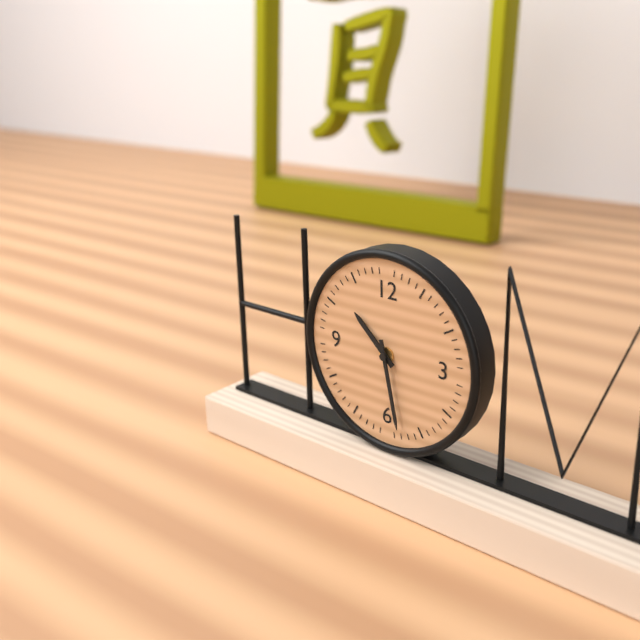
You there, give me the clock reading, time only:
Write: 10:28
